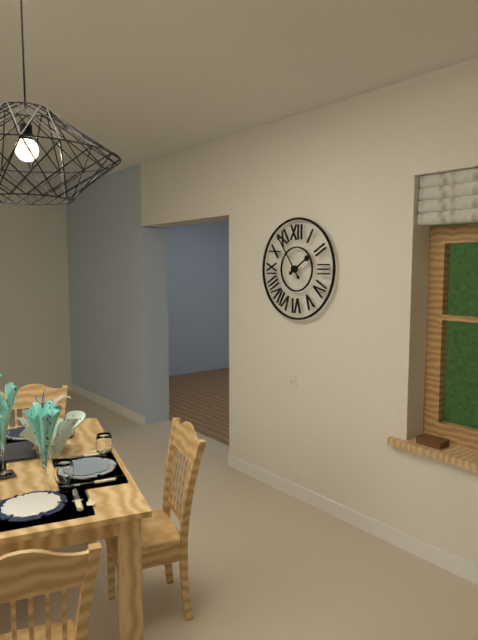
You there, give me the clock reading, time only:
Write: 1:54
